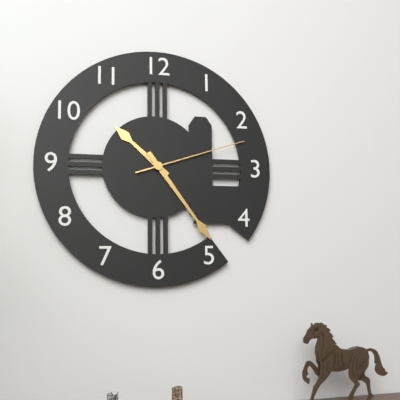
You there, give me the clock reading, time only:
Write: 10:24:12
